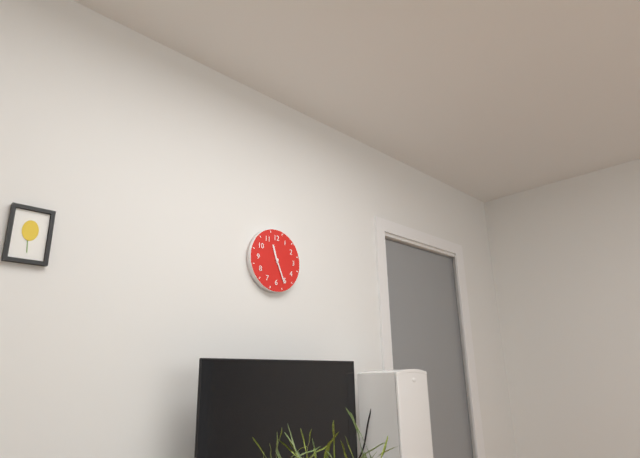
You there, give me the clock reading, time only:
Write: 11:26
